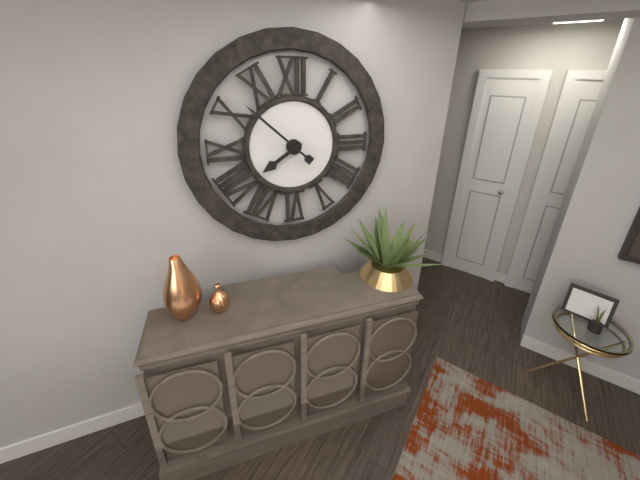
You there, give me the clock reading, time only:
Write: 7:52
